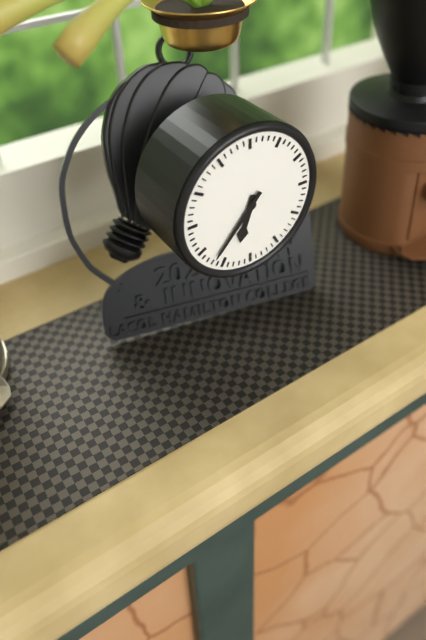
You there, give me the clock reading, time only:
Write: 6:37
